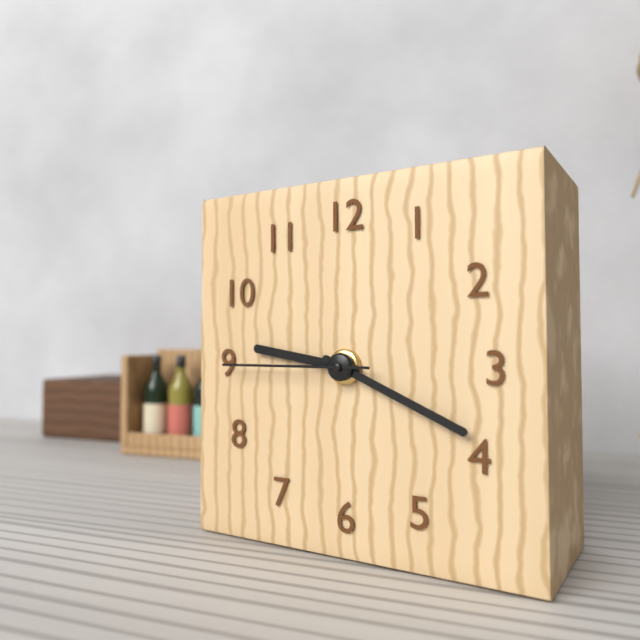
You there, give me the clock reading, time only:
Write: 9:19:45
